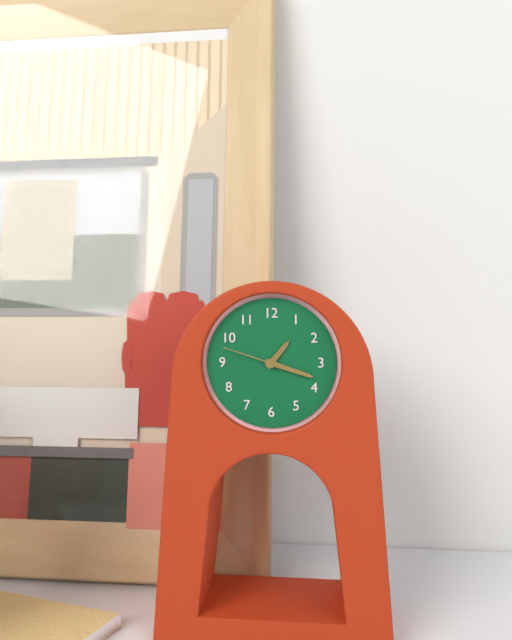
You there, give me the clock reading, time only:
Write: 1:18:48
